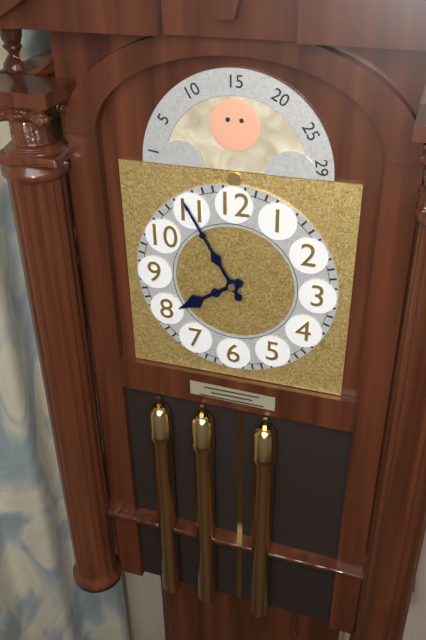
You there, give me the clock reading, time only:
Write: 7:55
